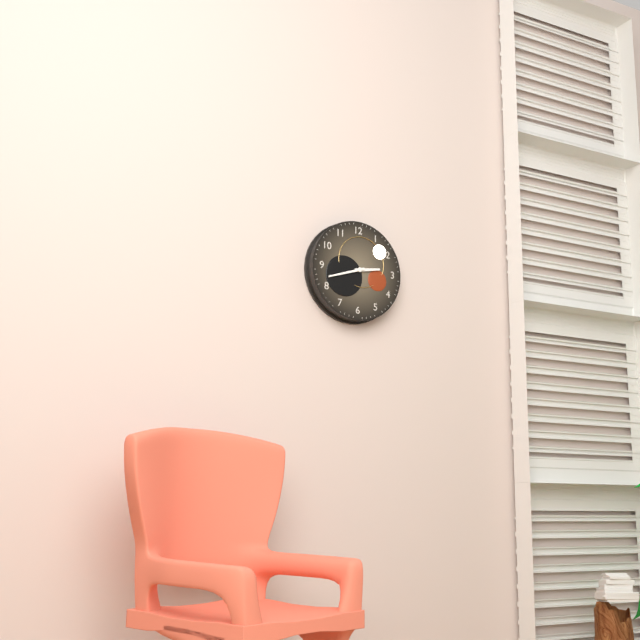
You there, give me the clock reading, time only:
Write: 2:42
